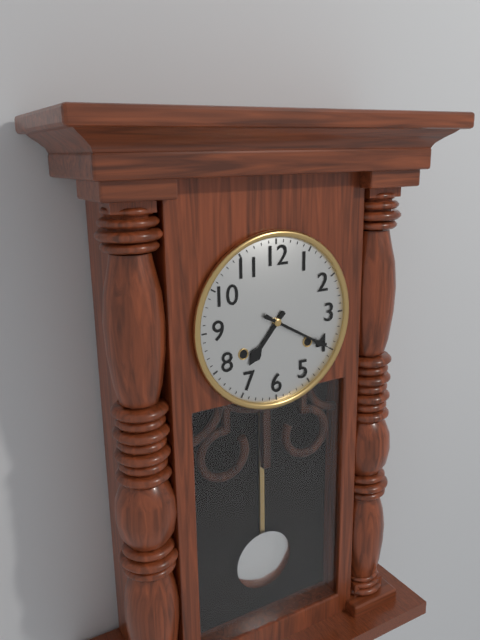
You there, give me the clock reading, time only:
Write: 7:20
